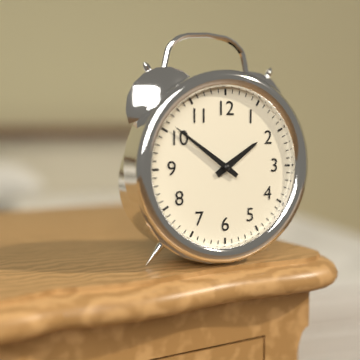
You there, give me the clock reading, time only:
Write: 1:51
